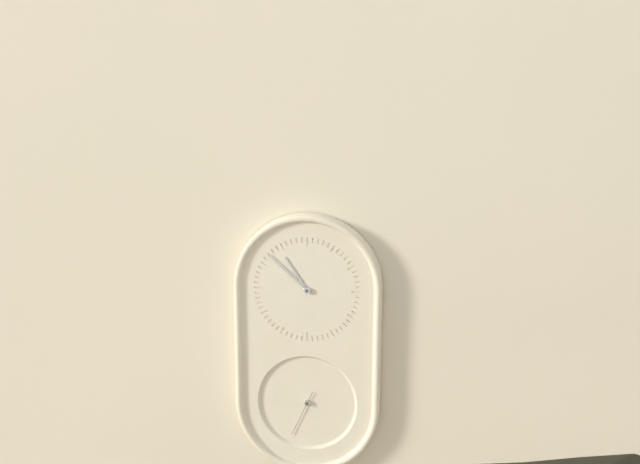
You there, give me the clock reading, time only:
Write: 10:52
